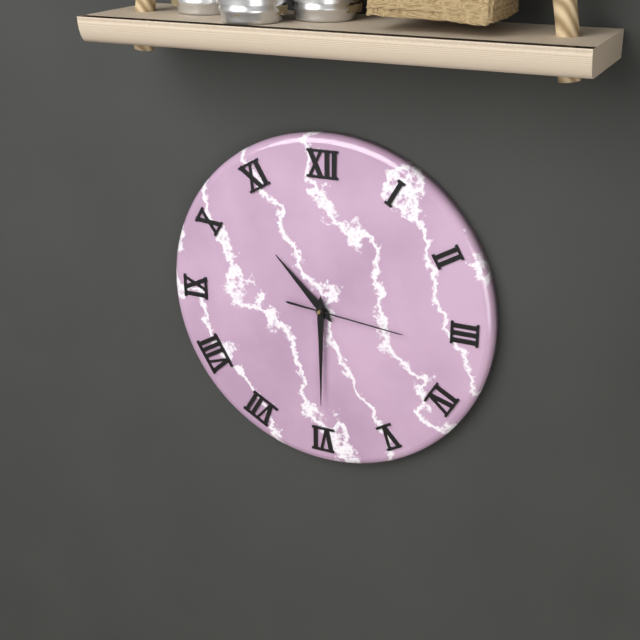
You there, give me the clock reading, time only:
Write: 10:30:16
